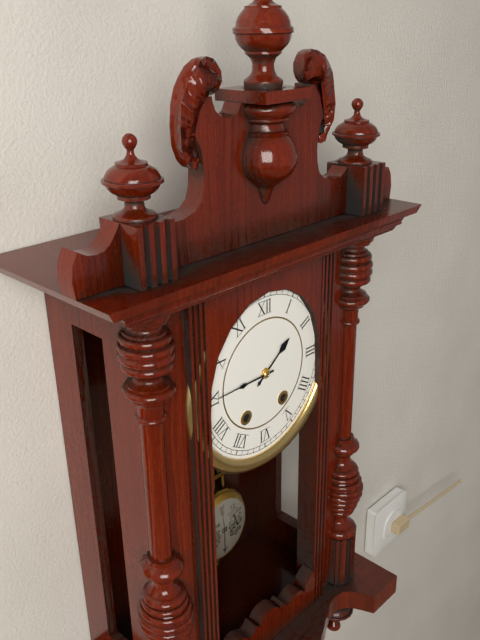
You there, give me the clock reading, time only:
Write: 1:45
